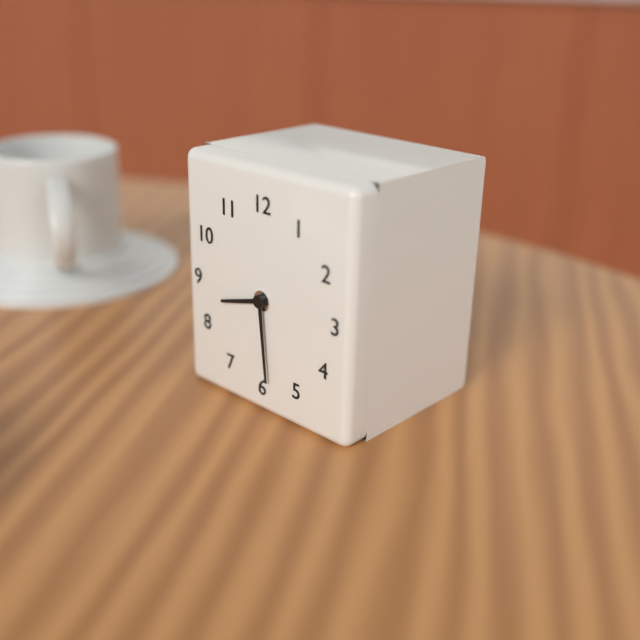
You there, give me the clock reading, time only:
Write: 8:29
